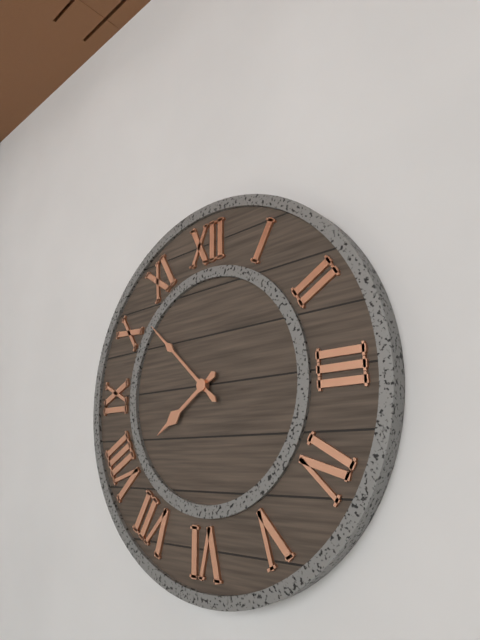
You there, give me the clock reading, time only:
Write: 7:52
